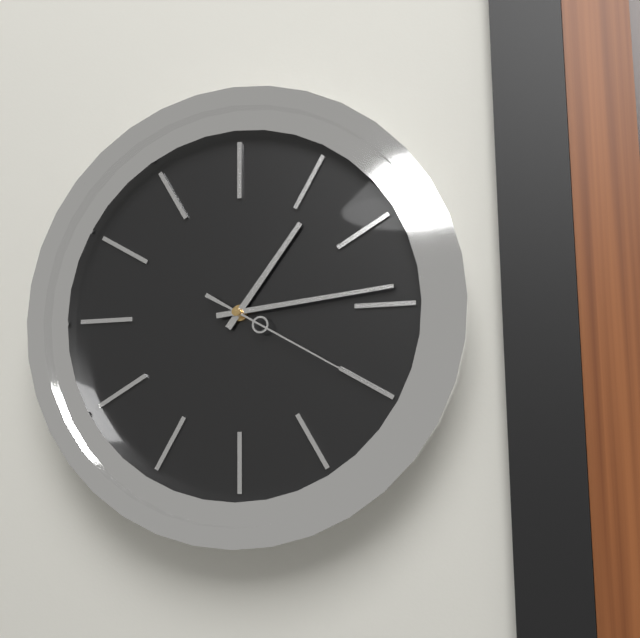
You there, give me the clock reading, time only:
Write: 1:14:20
